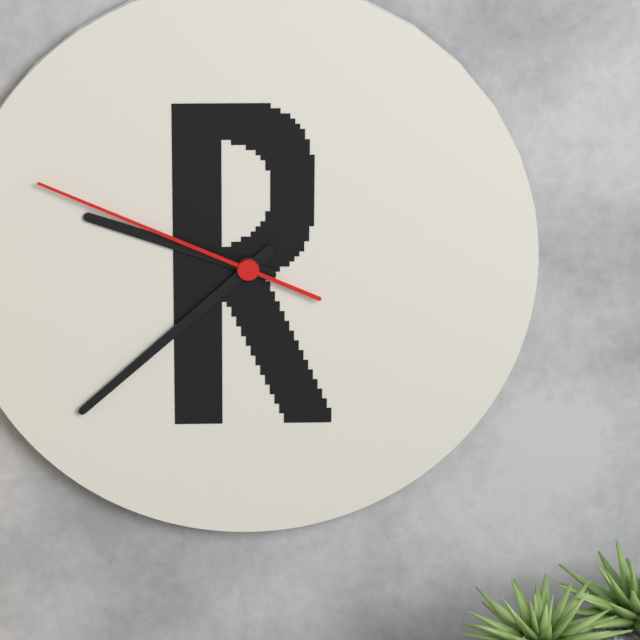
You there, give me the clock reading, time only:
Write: 9:38:49
